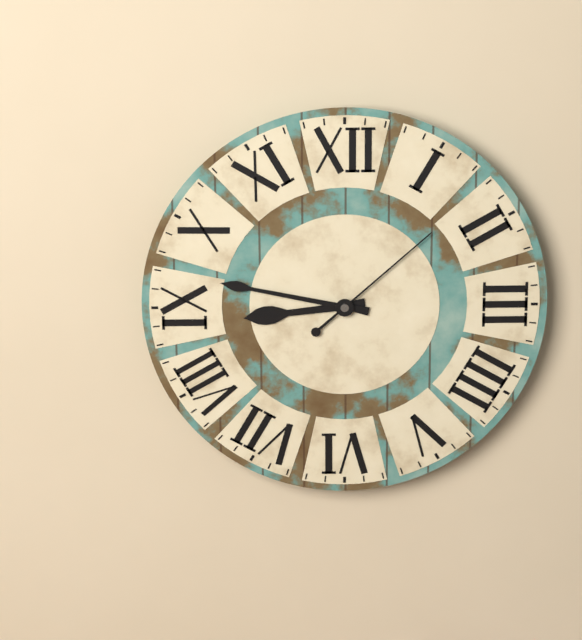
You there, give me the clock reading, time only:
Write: 8:47:08
